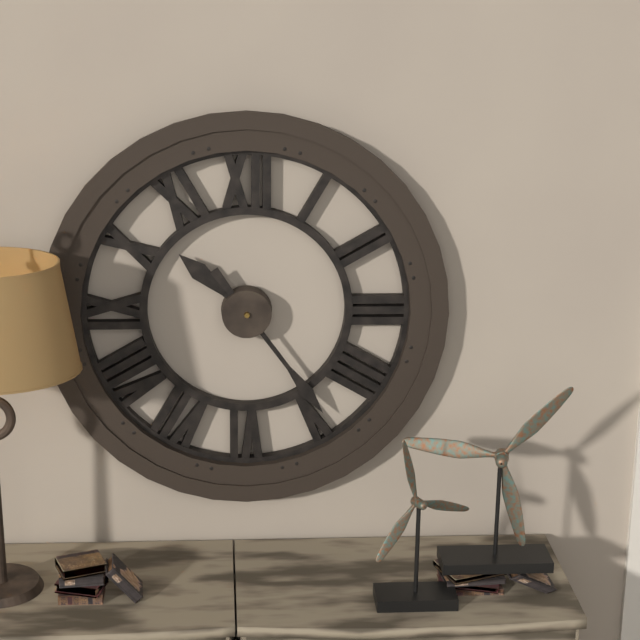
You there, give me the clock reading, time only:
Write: 10:24
